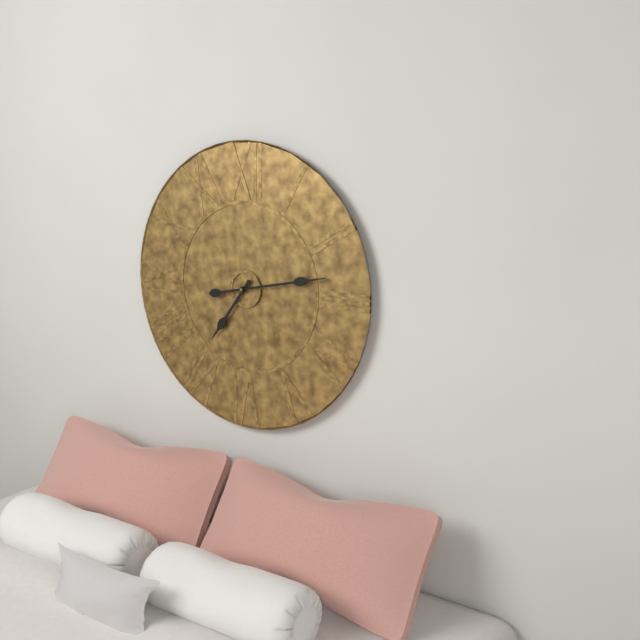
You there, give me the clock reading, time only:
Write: 7:13
